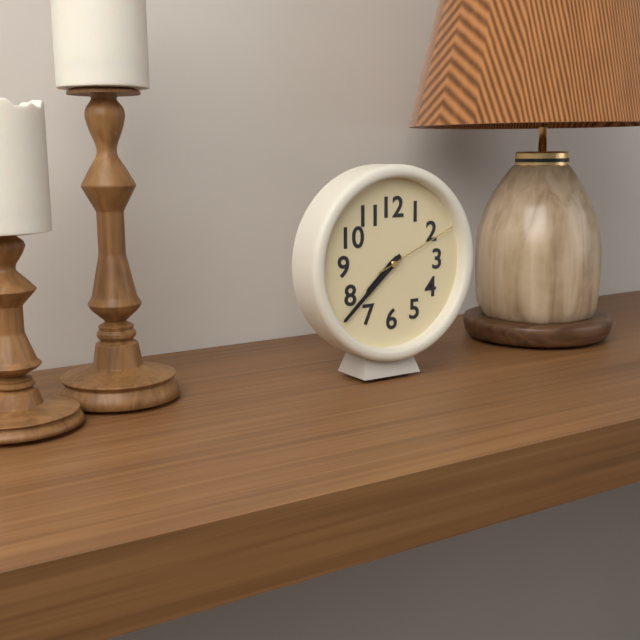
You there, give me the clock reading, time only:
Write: 7:38:11
